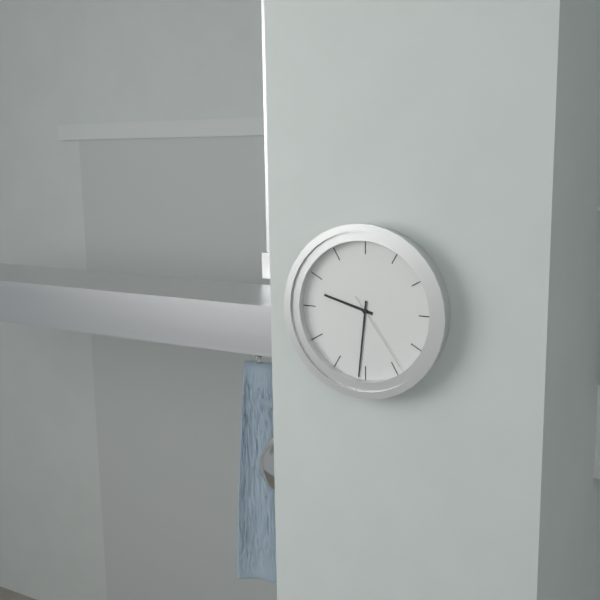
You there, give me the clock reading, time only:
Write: 9:31:24
